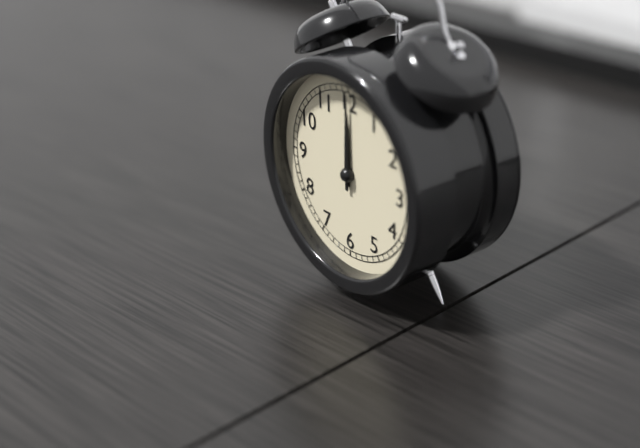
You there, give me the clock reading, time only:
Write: 12:00
